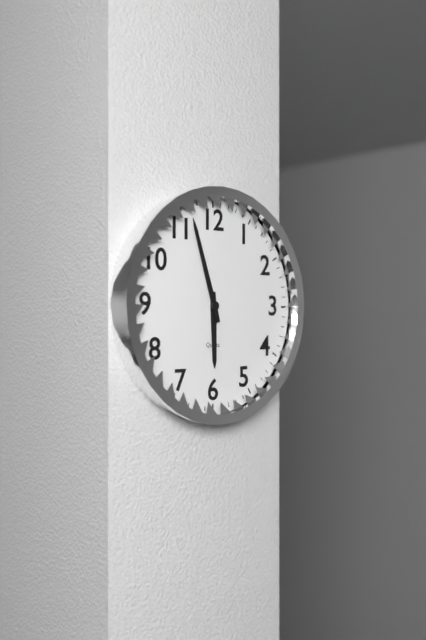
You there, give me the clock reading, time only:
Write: 5:57
